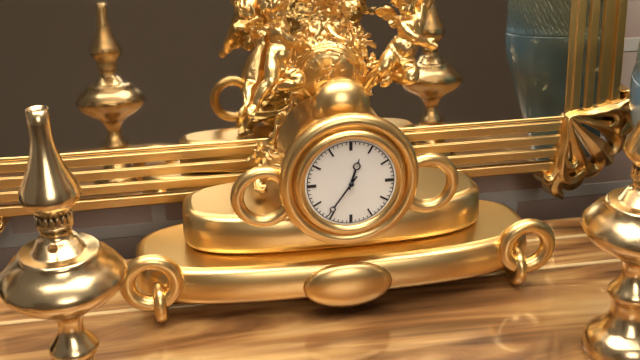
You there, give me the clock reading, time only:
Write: 12:36
